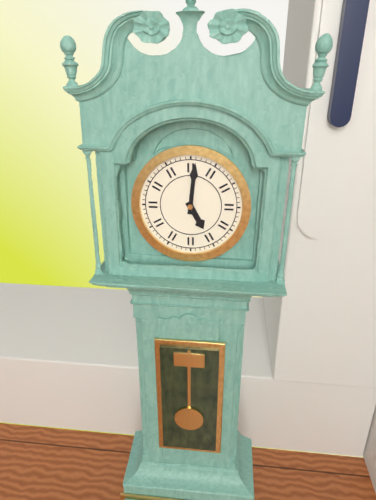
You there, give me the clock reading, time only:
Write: 5:01
